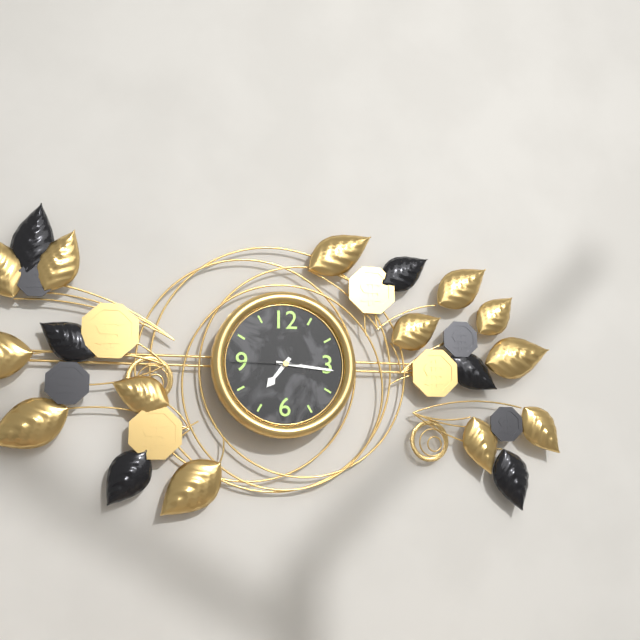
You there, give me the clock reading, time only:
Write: 7:16:45
